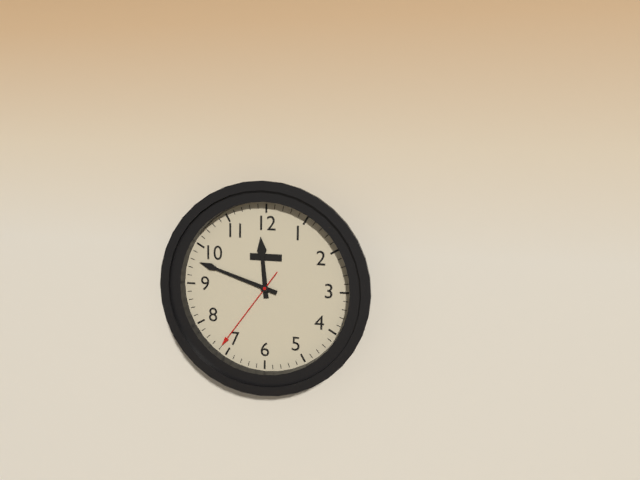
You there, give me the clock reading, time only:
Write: 11:48:36
